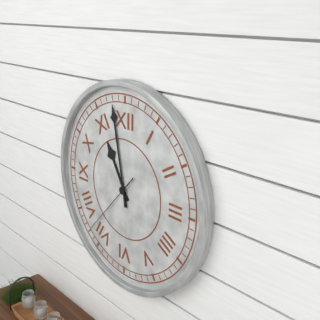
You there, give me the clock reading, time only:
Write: 10:58:37
